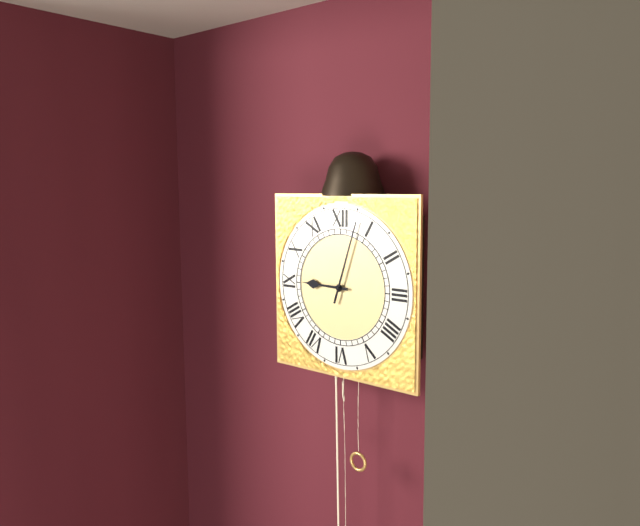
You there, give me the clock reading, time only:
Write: 9:03
